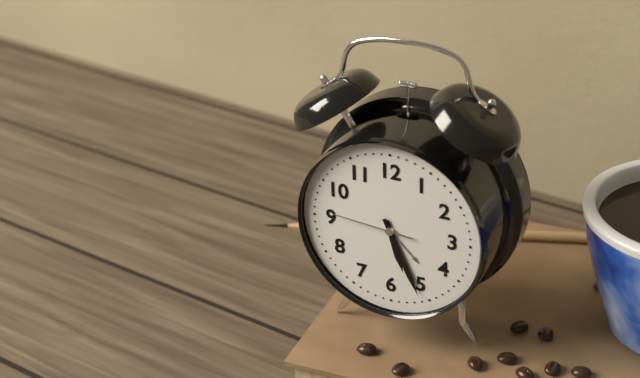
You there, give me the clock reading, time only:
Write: 5:26:46
